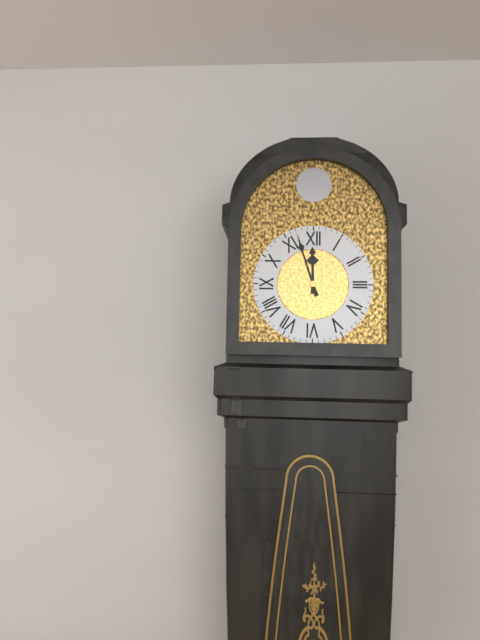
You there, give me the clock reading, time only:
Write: 11:57
